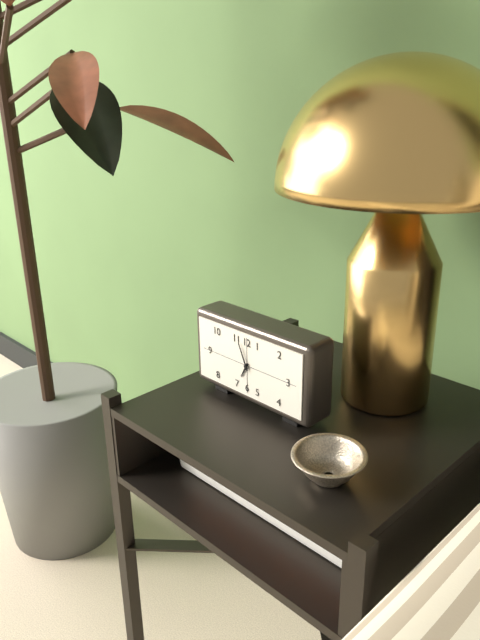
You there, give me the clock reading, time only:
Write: 6:56
